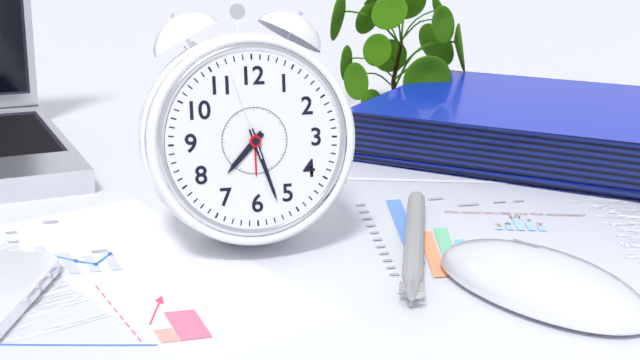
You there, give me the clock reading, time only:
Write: 7:27:57
